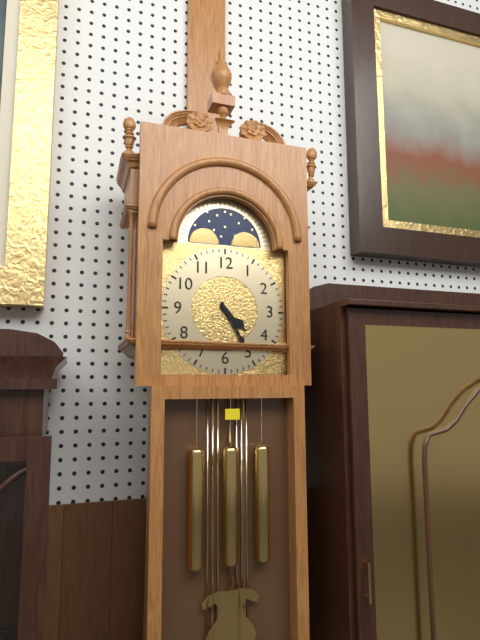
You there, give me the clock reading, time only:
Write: 4:25
